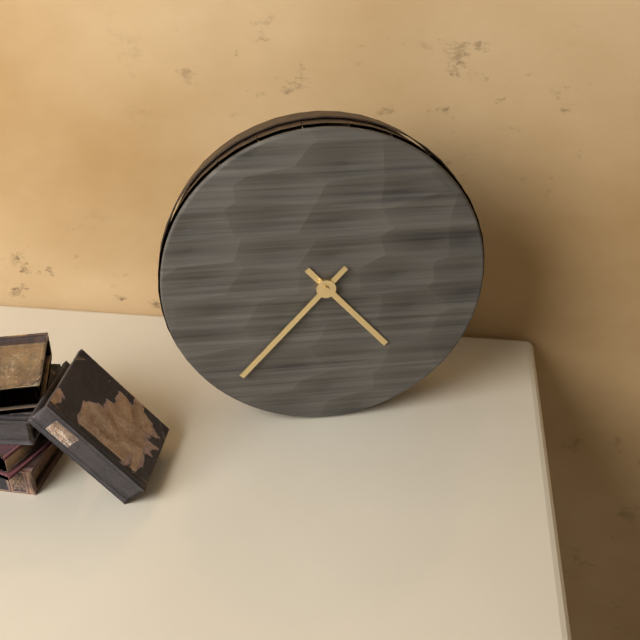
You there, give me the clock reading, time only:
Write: 4:37
